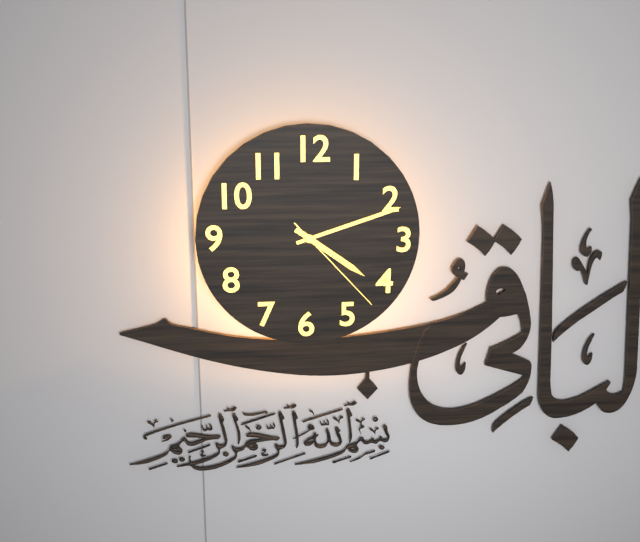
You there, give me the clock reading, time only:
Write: 4:12:23
